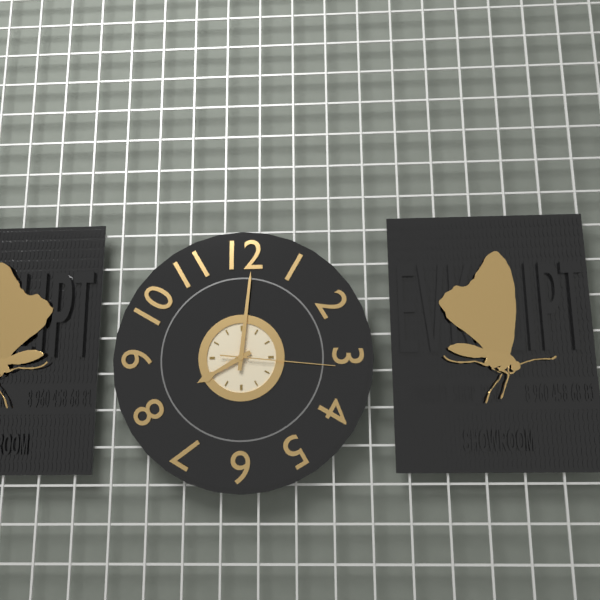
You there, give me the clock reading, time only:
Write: 8:01:16
